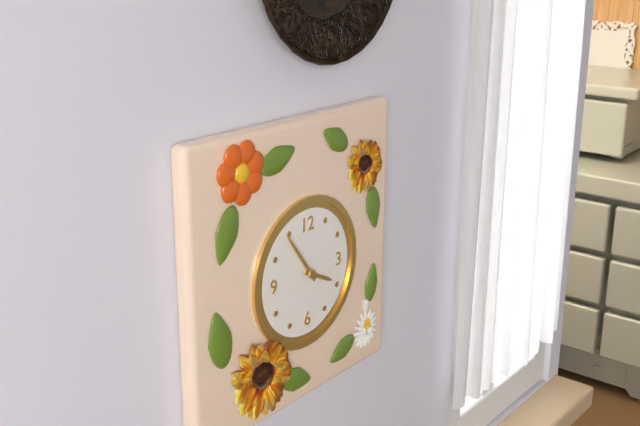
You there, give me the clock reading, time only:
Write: 3:54
